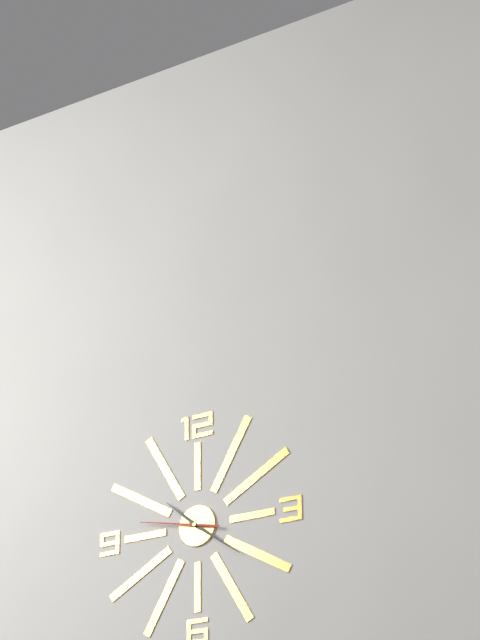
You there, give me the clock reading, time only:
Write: 10:21:47
